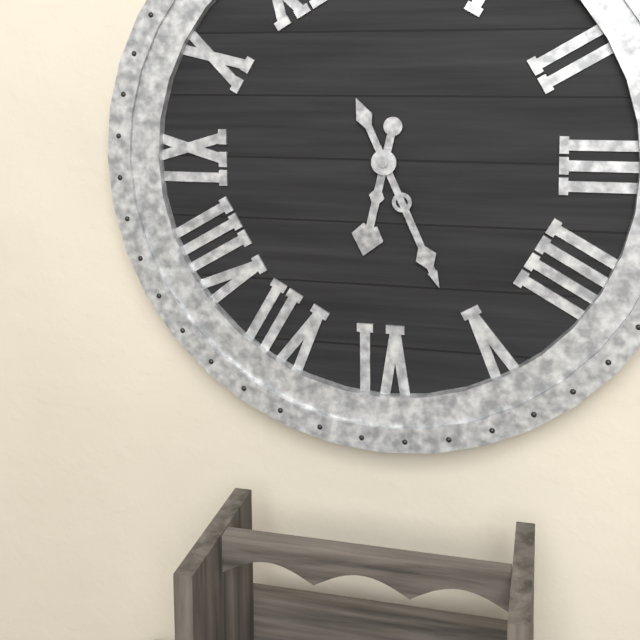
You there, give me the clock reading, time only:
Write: 6:26
